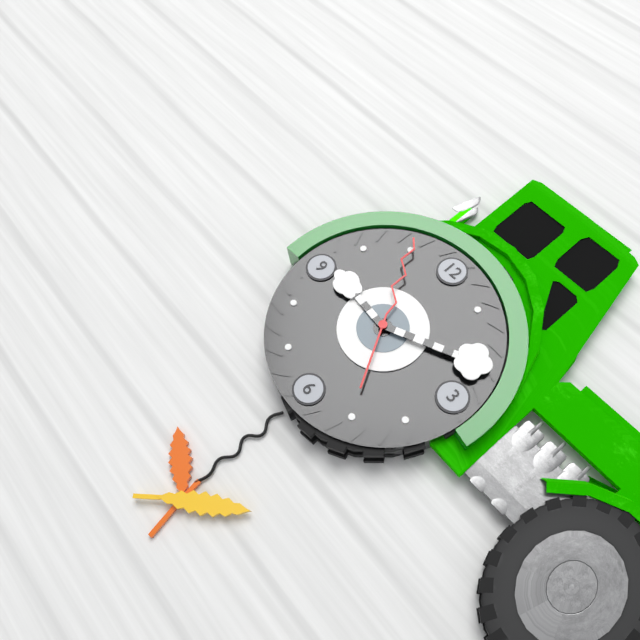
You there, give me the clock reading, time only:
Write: 9:11:55
